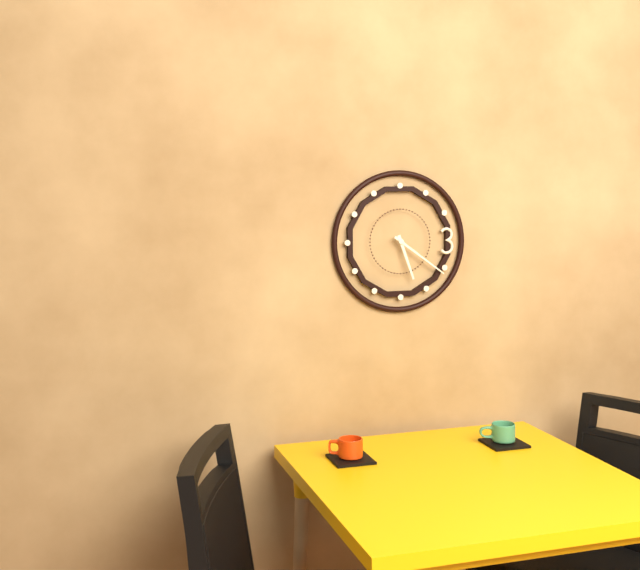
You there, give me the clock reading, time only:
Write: 5:21
